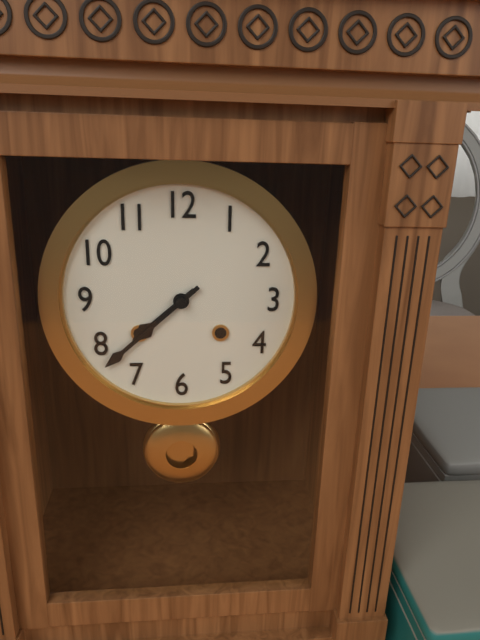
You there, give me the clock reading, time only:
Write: 7:38
